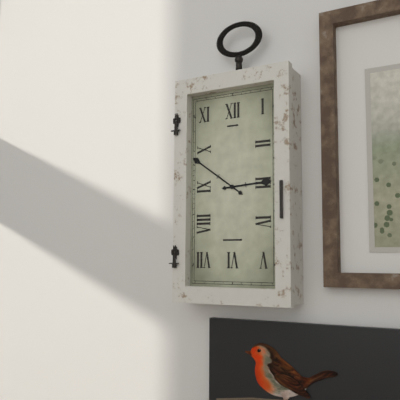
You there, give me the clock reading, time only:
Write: 2:51
